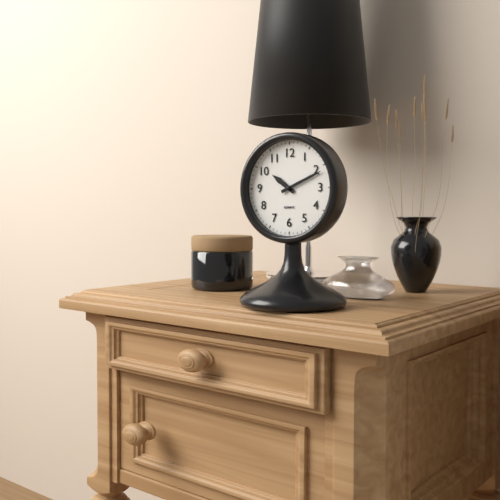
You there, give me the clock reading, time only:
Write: 10:11
